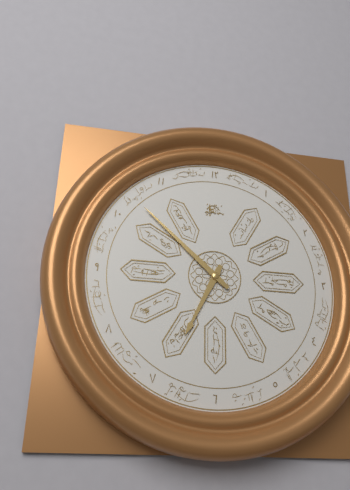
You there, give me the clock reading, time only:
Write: 6:52
